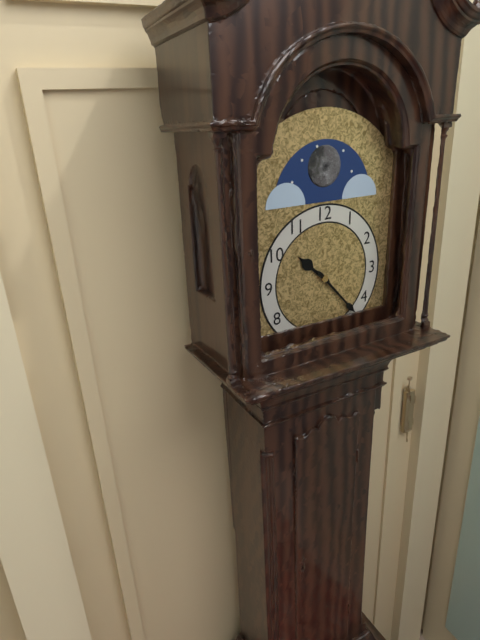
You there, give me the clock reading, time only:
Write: 10:23
